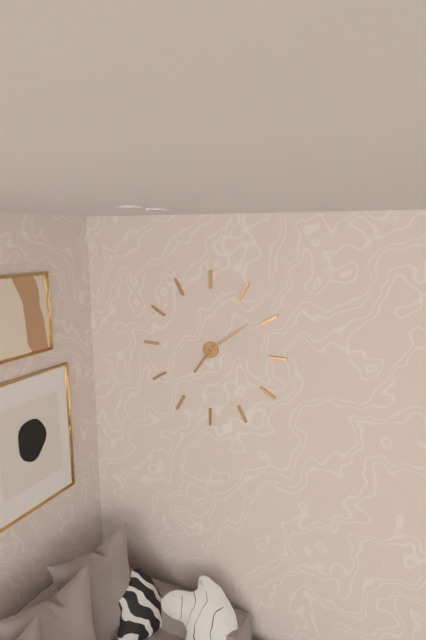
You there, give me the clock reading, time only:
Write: 7:09
